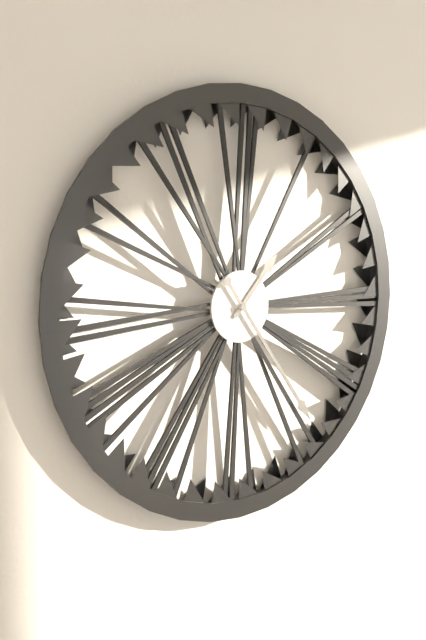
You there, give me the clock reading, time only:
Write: 1:24
